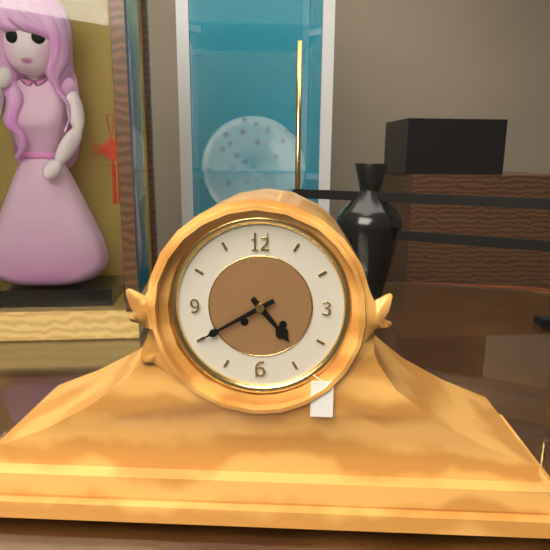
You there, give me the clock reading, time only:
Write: 4:40
